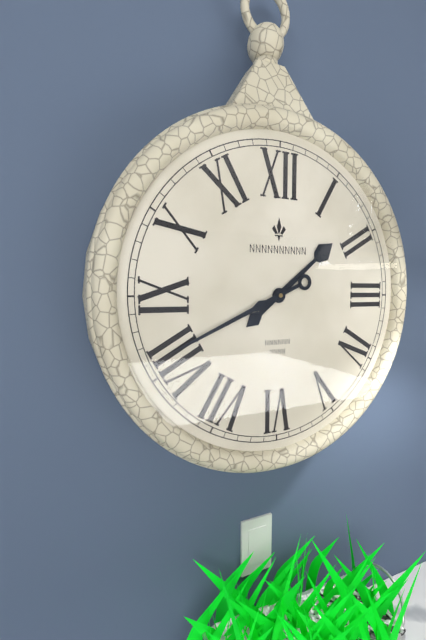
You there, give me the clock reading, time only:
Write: 1:41
